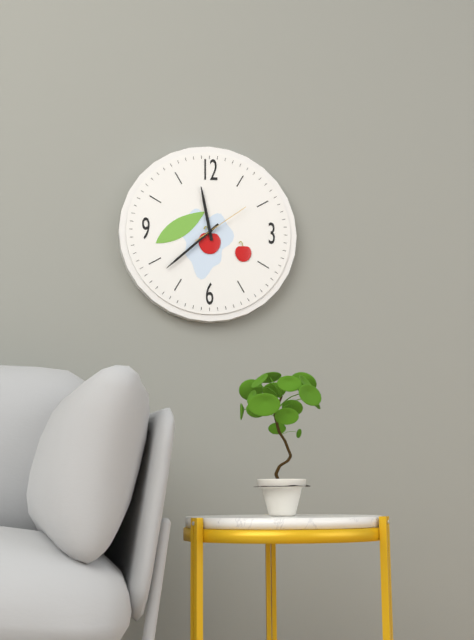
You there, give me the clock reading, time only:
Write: 11:38:09
